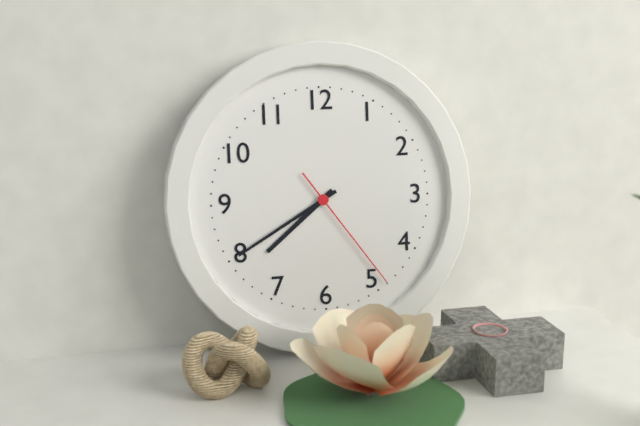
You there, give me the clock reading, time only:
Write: 7:40:24
